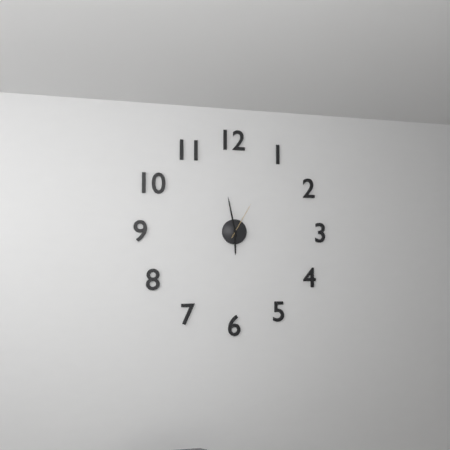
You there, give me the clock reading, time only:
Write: 5:58
